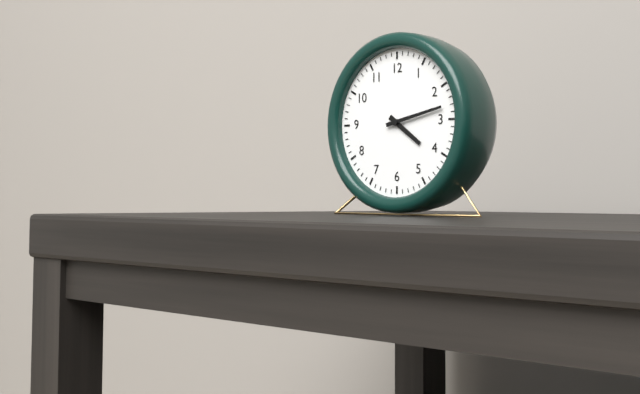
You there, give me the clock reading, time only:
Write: 4:13
